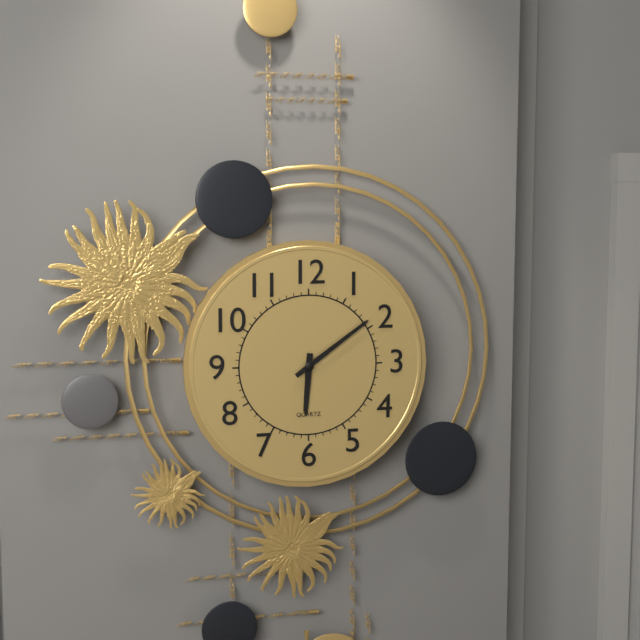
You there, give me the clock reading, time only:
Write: 6:09
